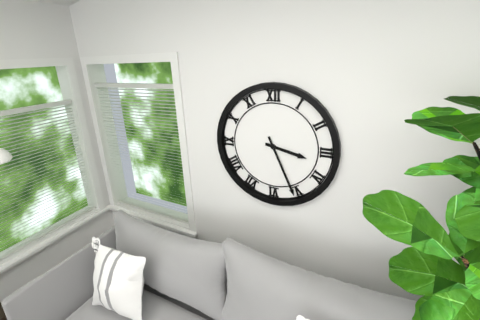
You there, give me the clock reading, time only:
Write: 3:26
